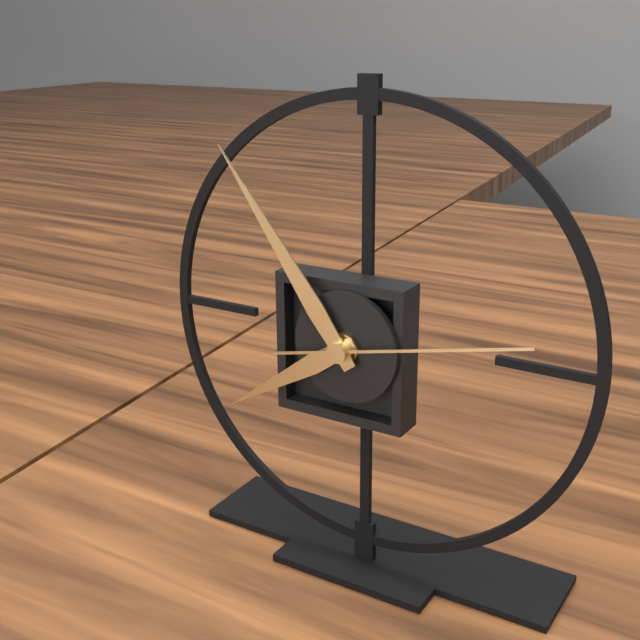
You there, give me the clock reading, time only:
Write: 7:54:13
